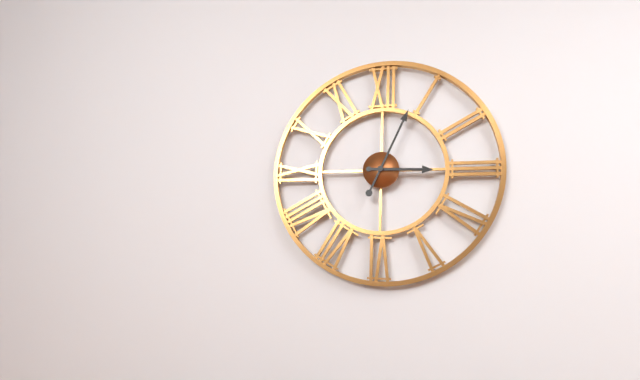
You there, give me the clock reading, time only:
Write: 3:04
